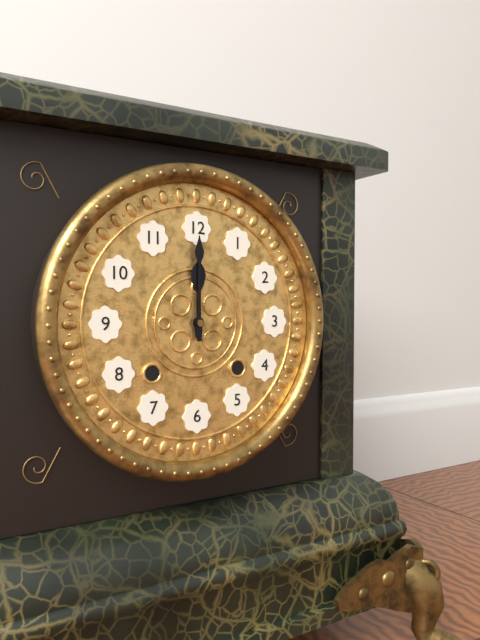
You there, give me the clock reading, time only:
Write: 12:00
